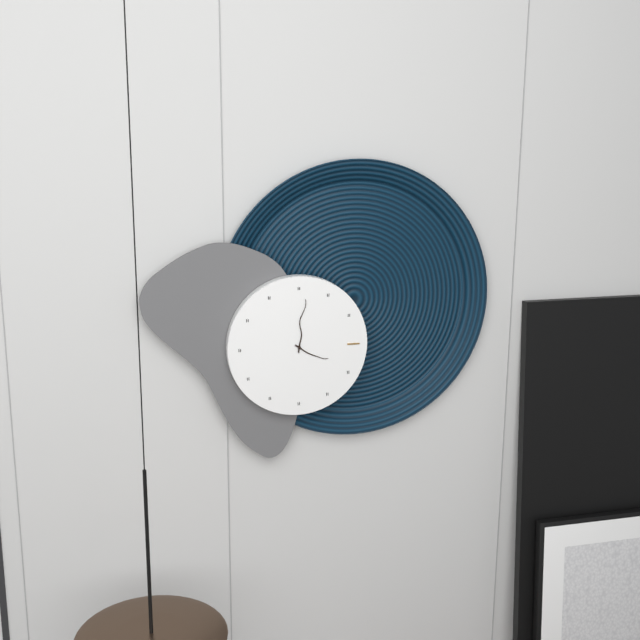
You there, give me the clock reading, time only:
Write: 4:01
